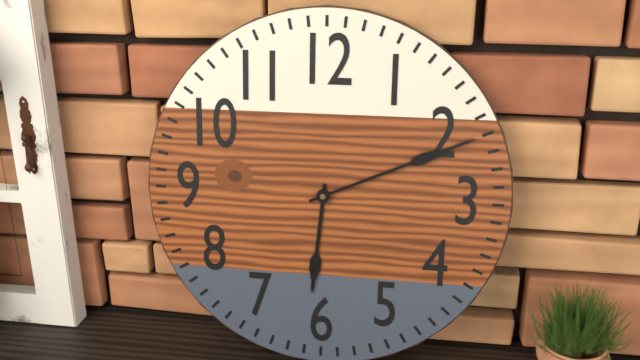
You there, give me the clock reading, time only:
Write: 6:11
